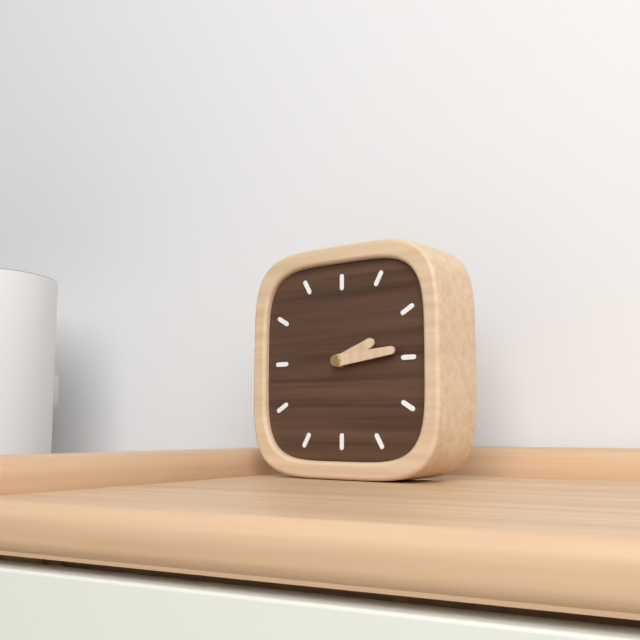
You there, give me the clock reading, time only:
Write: 2:14
